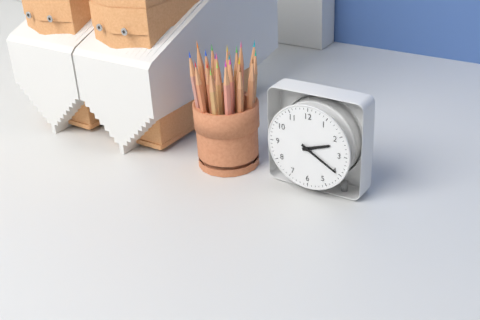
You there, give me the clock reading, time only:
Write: 2:20
